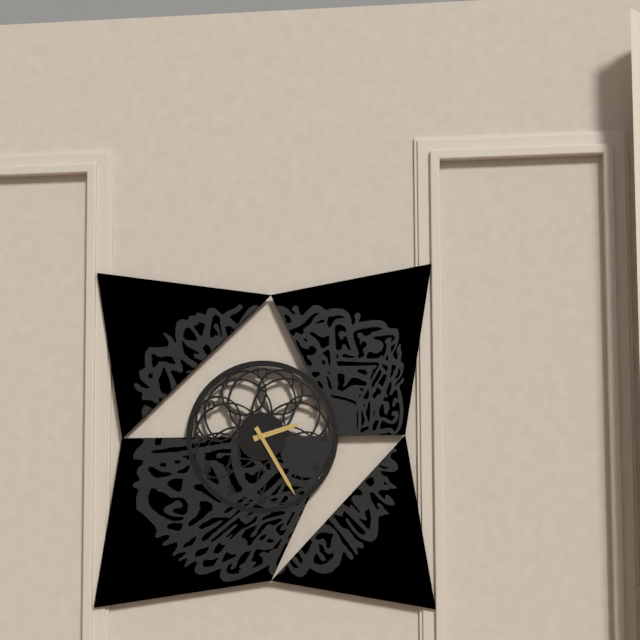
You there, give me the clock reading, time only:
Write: 2:25
